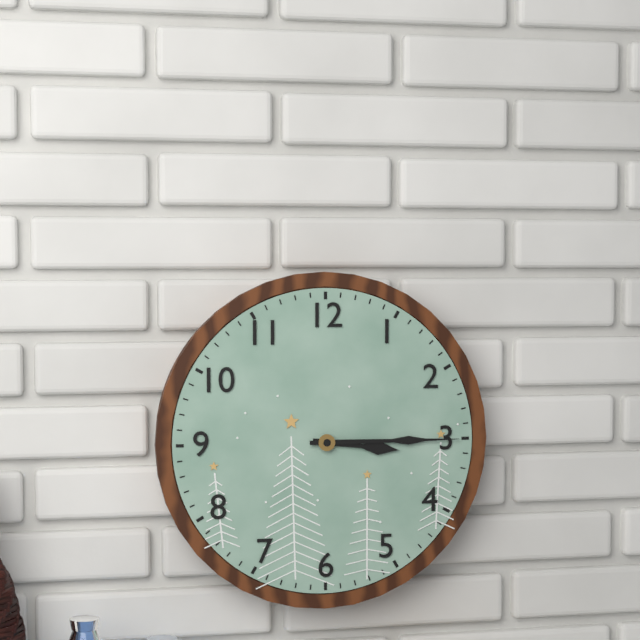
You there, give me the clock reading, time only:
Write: 3:15
